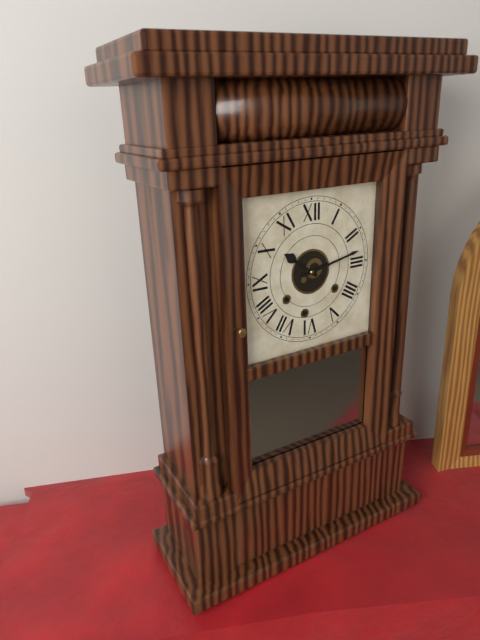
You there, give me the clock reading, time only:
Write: 10:13
